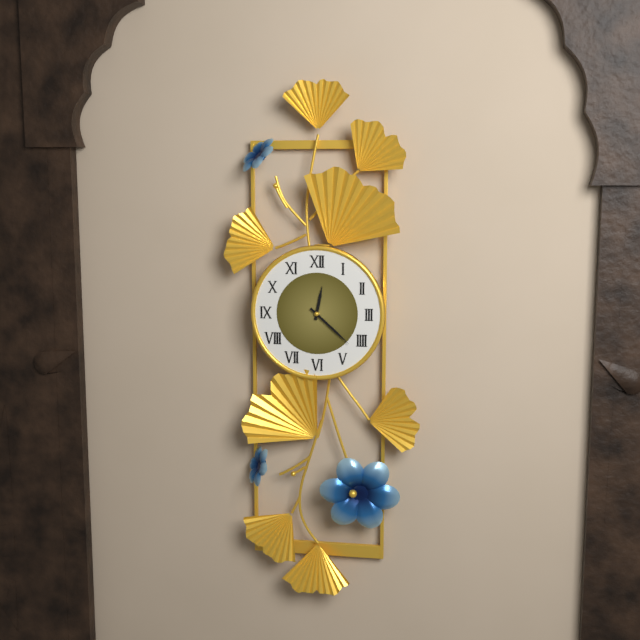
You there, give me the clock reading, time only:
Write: 12:22
